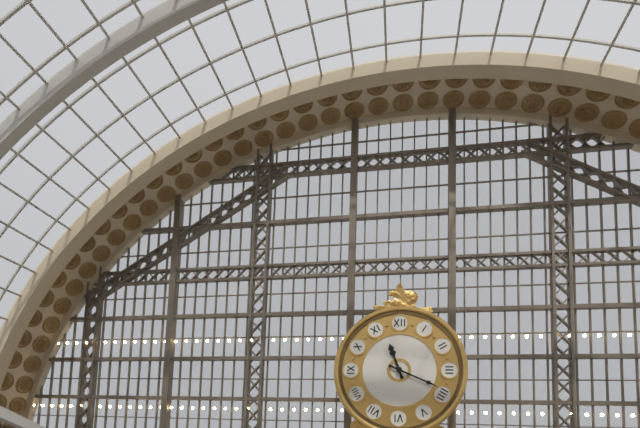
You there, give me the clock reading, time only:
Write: 11:19
